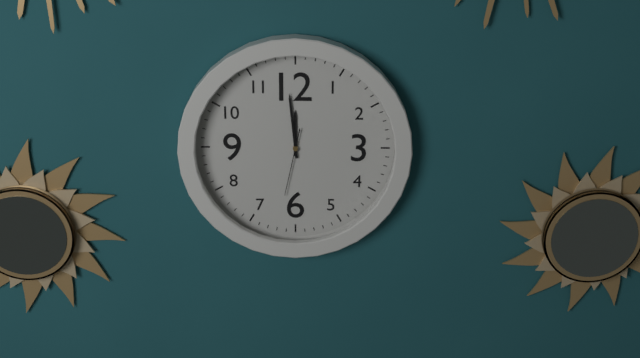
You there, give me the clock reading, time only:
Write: 11:59:32
